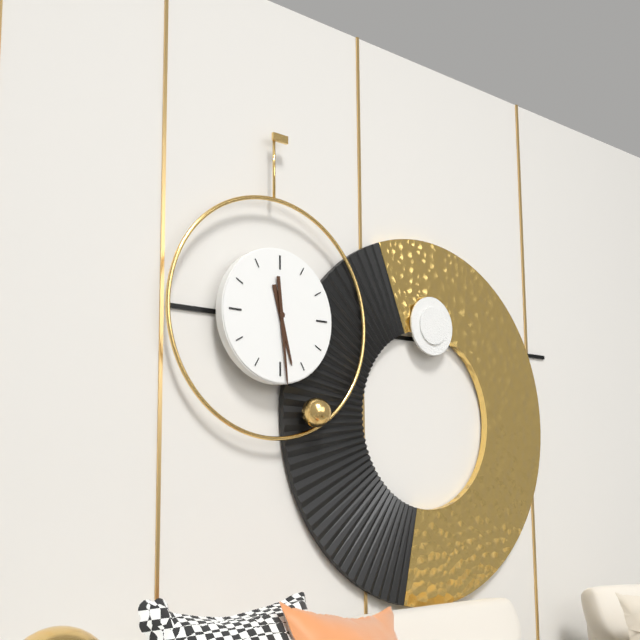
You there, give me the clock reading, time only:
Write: 5:29
